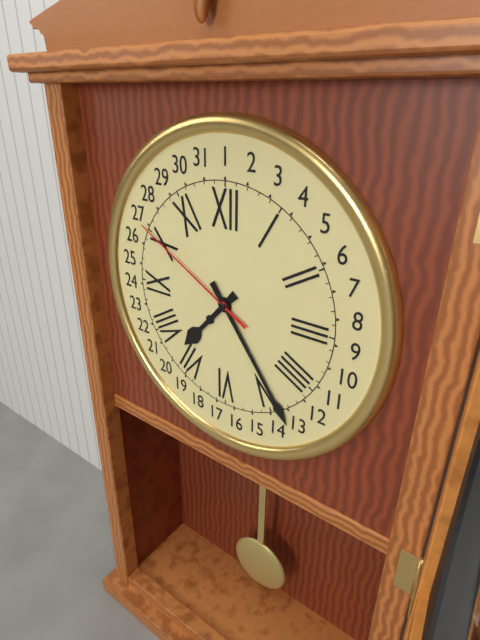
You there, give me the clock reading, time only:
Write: 7:24:50
